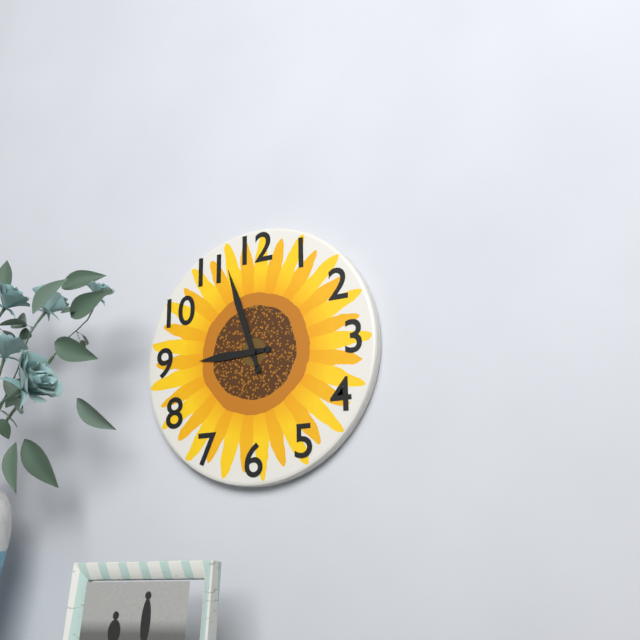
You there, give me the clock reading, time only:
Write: 8:57
